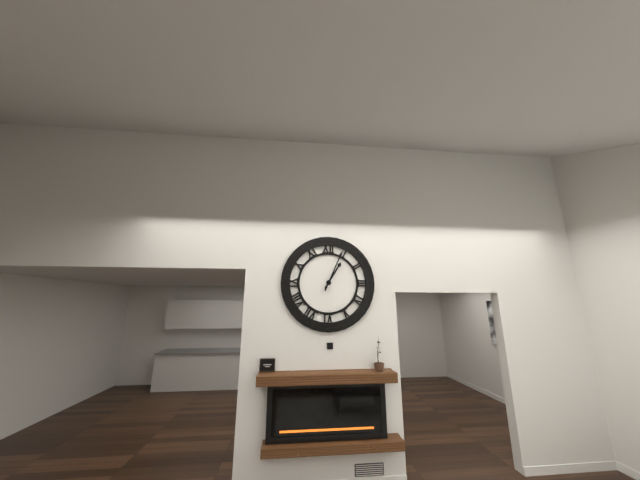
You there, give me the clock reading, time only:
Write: 1:04
